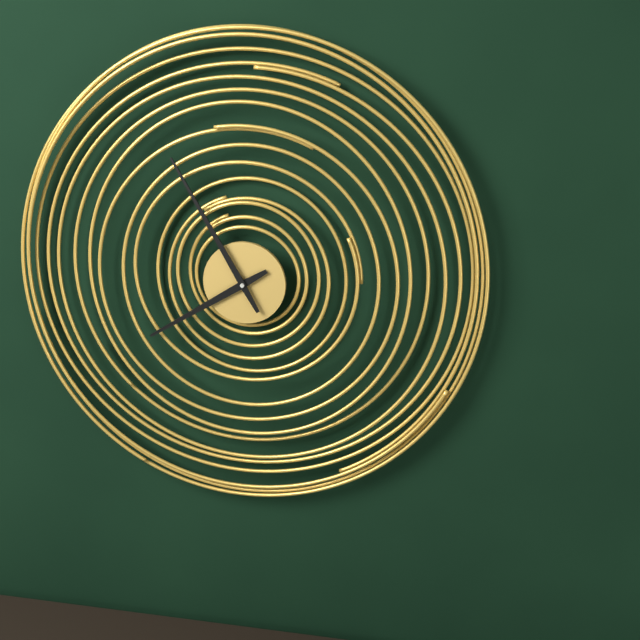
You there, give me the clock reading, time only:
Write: 7:55
